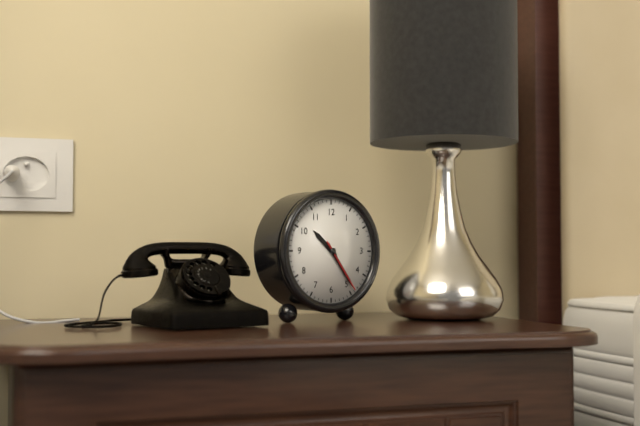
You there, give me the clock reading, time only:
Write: 10:24:24
